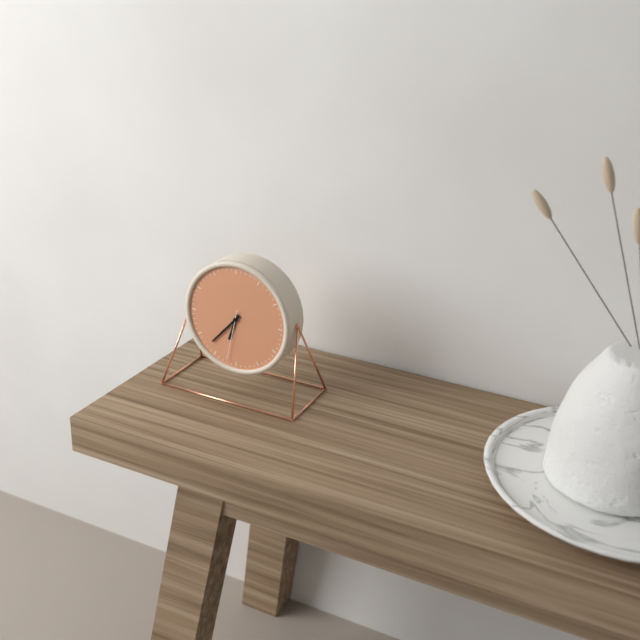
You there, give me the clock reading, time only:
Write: 6:37:32
